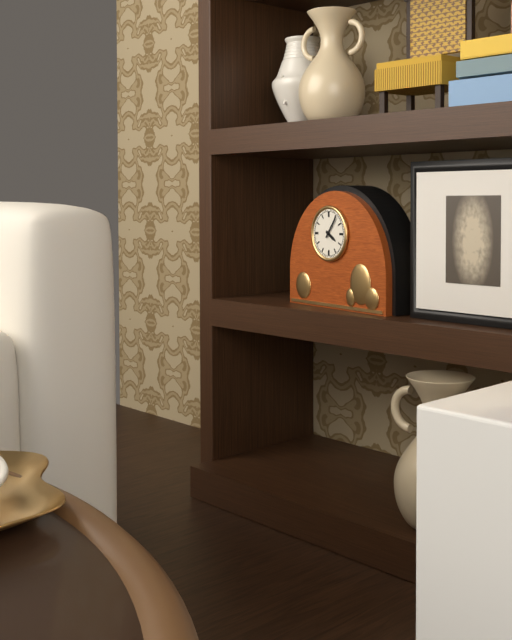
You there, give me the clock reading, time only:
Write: 4:06
